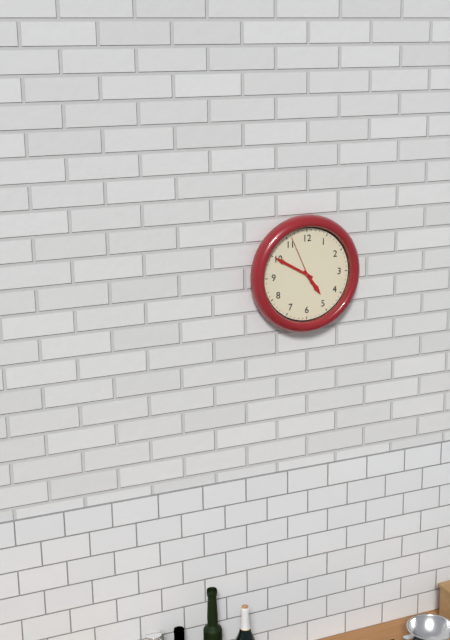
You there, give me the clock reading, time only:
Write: 4:50:56
